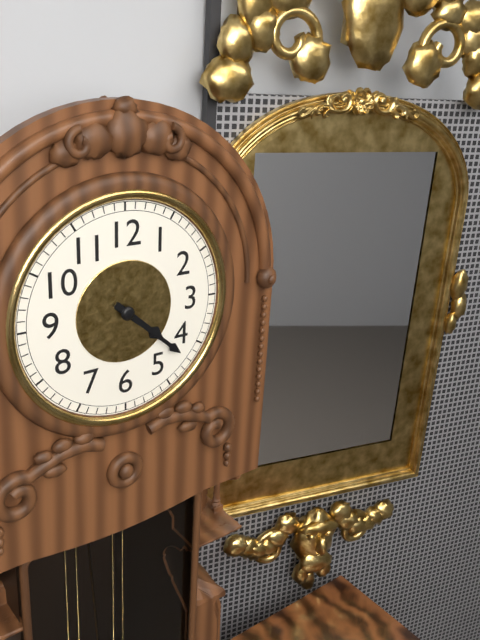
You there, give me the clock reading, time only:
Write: 4:22
